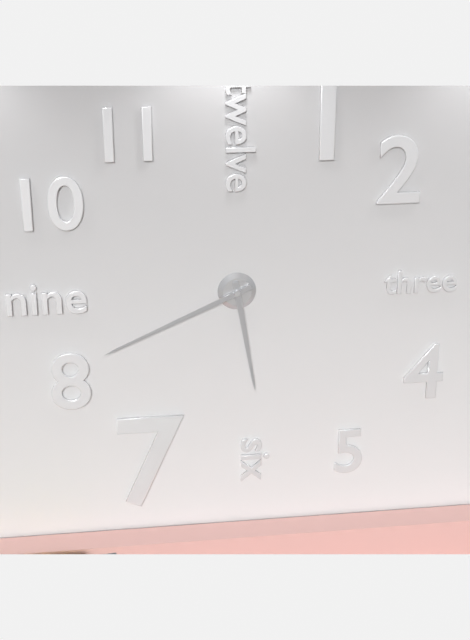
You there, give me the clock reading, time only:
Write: 5:41
